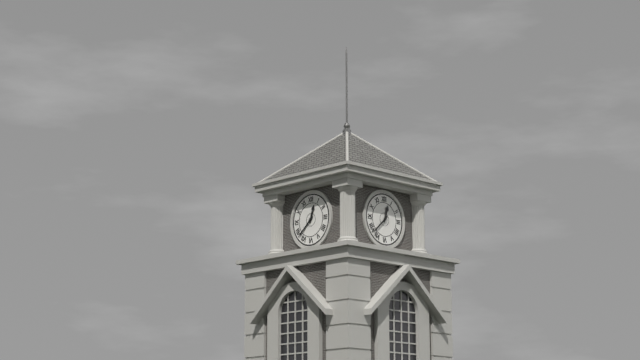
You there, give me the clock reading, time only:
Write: 12:38
